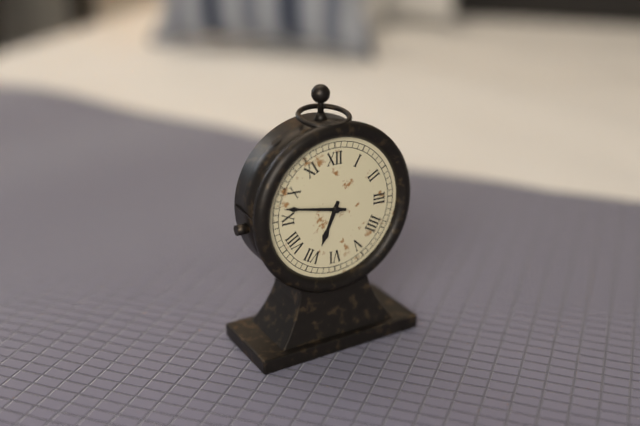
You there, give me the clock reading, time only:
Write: 6:47
